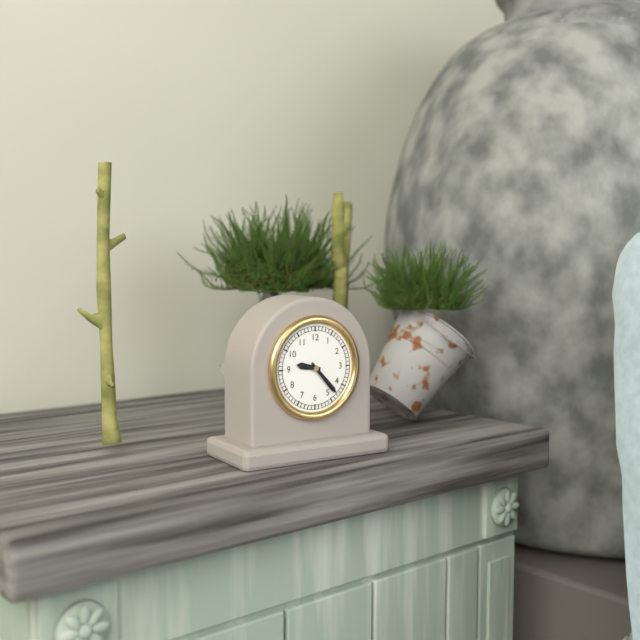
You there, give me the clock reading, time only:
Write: 9:23
